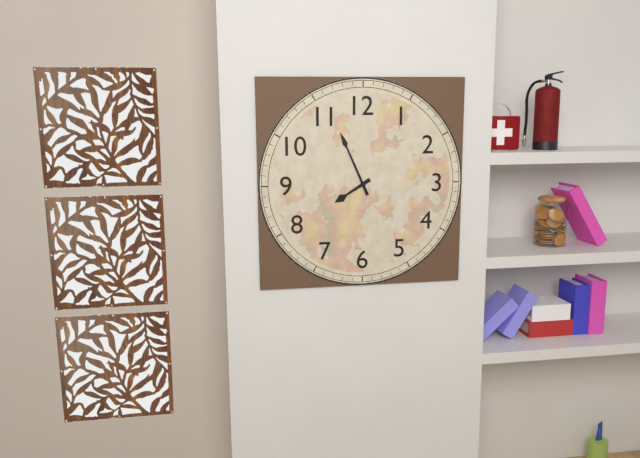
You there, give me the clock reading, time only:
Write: 7:56
